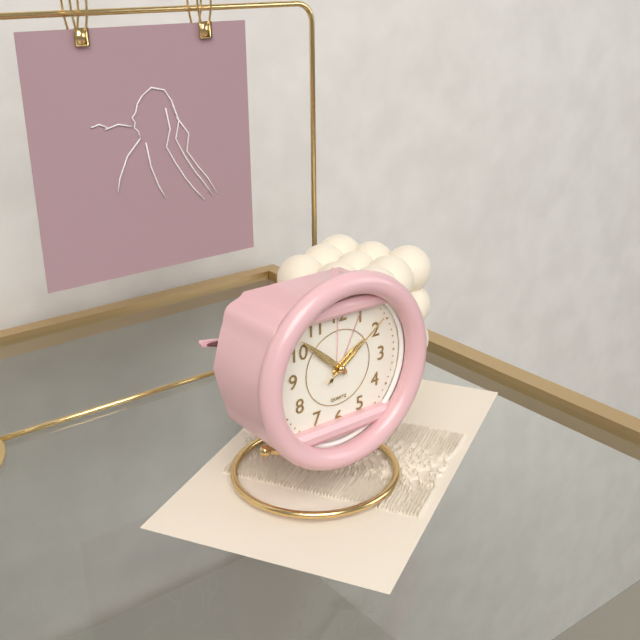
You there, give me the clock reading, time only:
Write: 1:52:09
